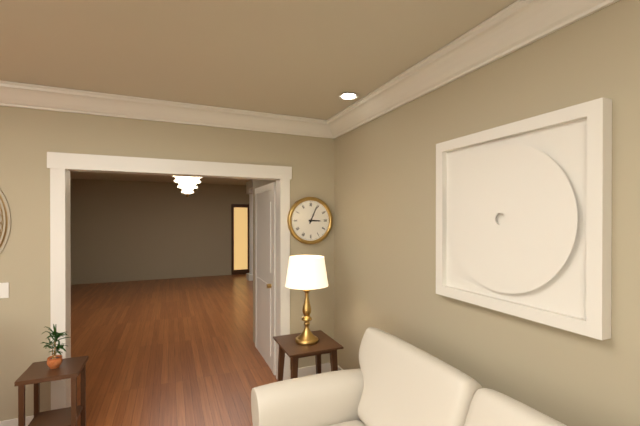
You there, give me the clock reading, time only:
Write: 3:04
